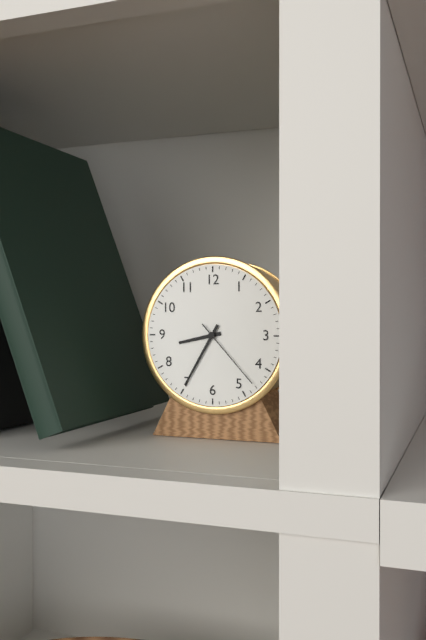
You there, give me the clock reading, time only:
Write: 8:35:23
